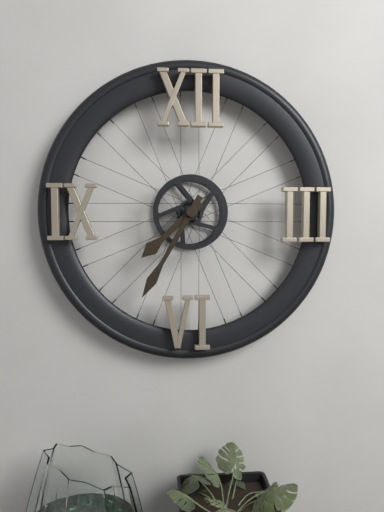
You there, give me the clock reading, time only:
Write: 7:35
